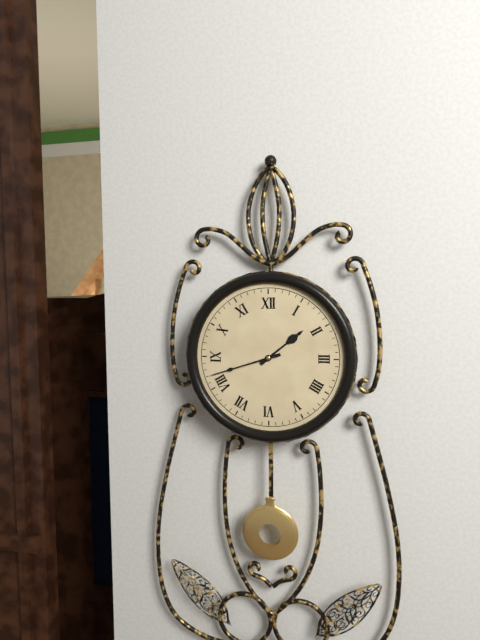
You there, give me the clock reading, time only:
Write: 1:42
